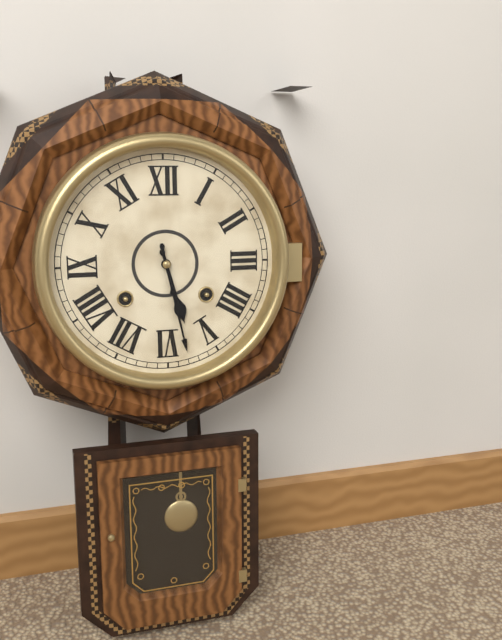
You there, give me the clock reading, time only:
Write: 5:28
